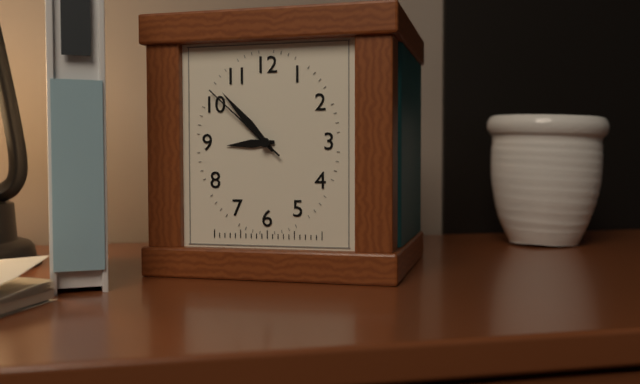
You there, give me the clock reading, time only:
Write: 8:53:52
